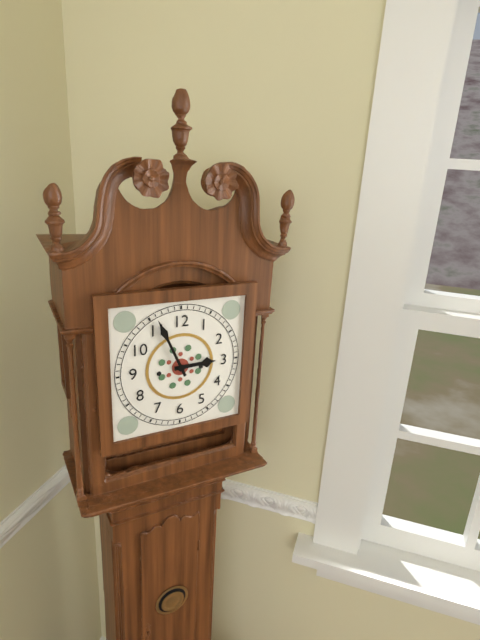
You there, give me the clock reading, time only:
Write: 2:56
